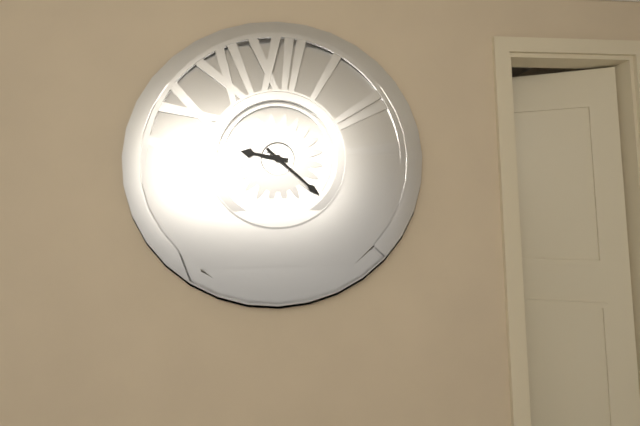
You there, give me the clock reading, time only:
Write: 9:22
